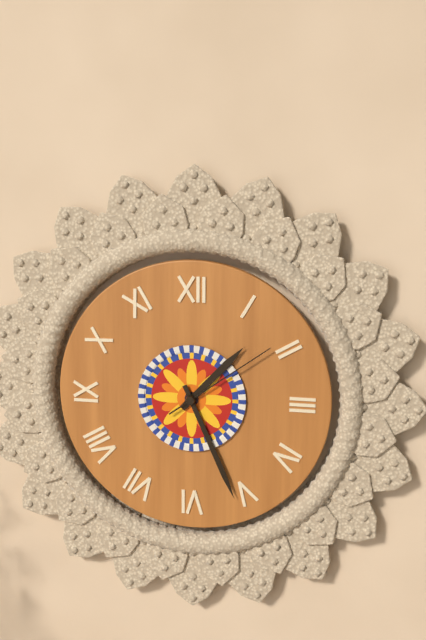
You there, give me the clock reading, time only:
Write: 1:26:09
